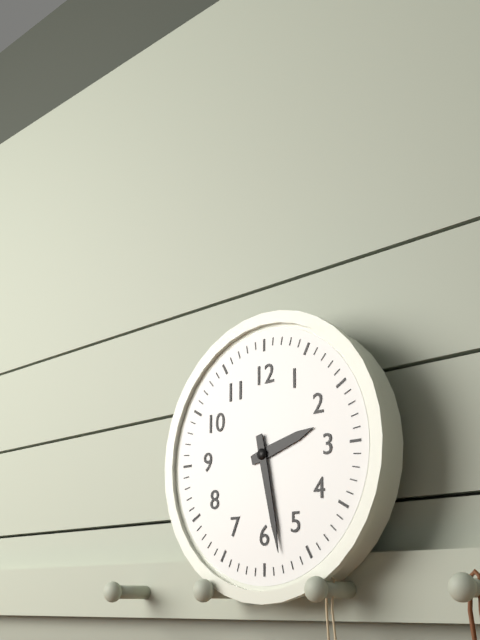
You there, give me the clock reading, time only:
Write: 2:28
